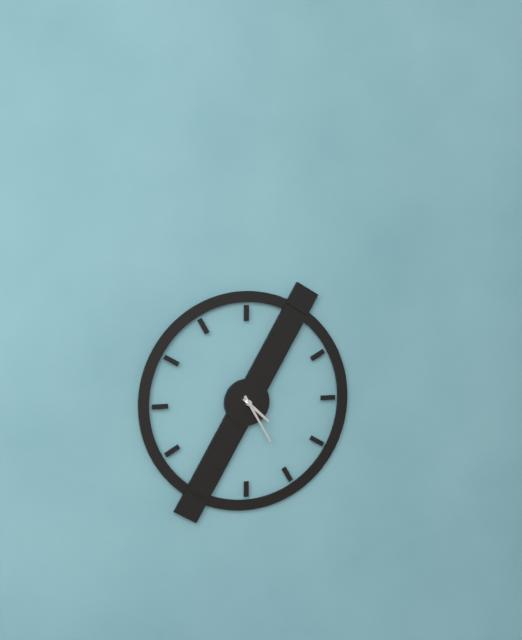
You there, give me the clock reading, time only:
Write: 4:25
